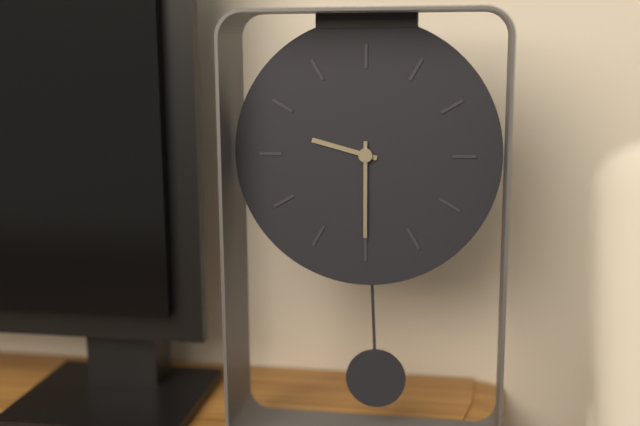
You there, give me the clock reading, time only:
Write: 9:30
